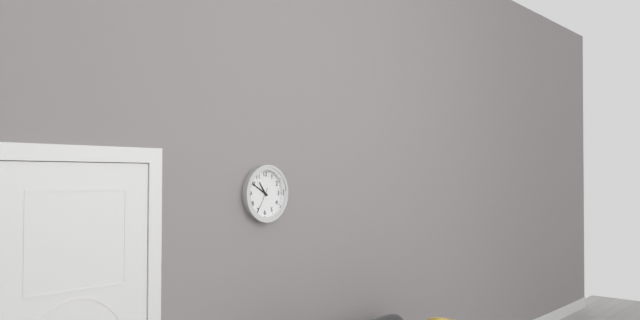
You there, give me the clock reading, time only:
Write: 10:50
